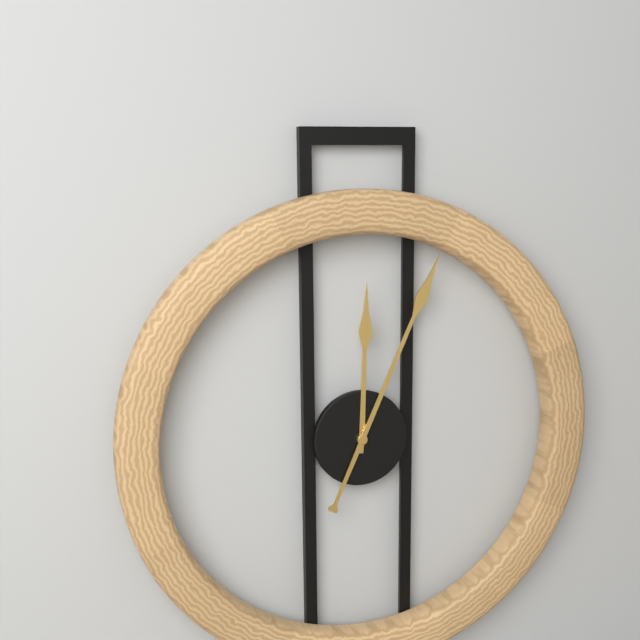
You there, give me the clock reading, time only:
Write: 12:04
